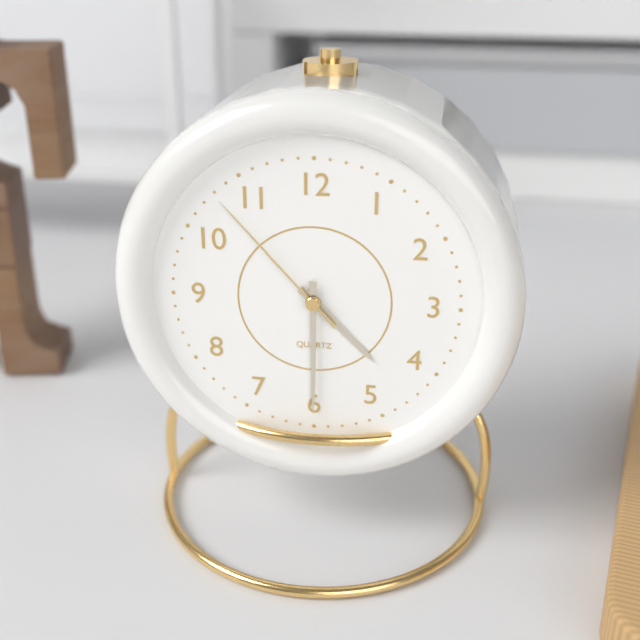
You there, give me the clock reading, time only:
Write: 4:30:53
